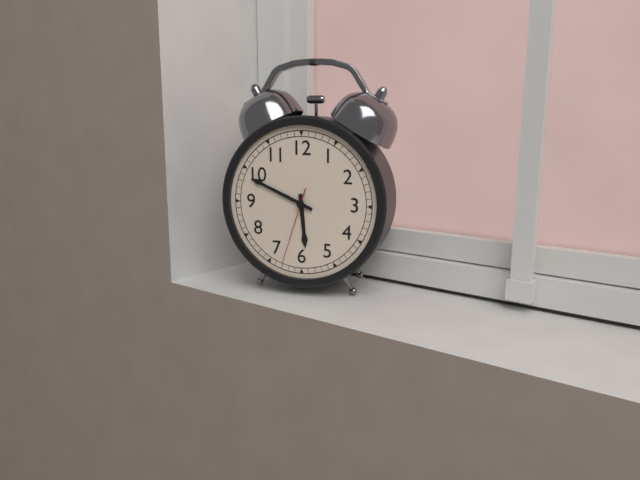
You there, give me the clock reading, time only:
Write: 5:49:33
